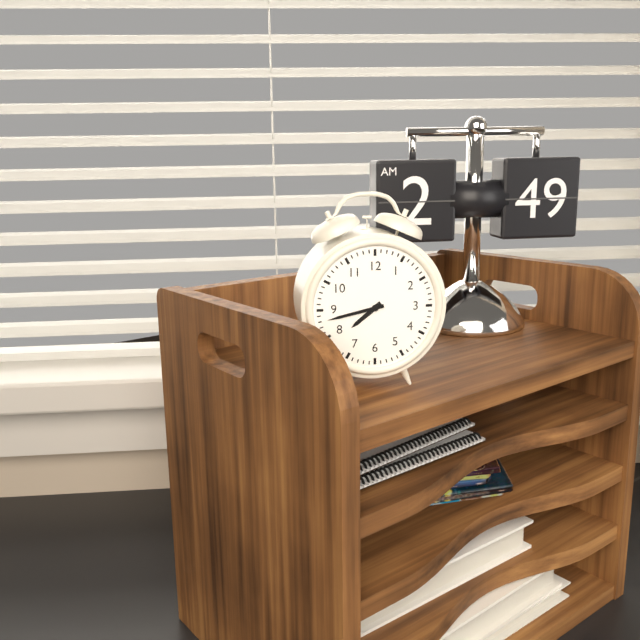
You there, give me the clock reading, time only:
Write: 7:43
